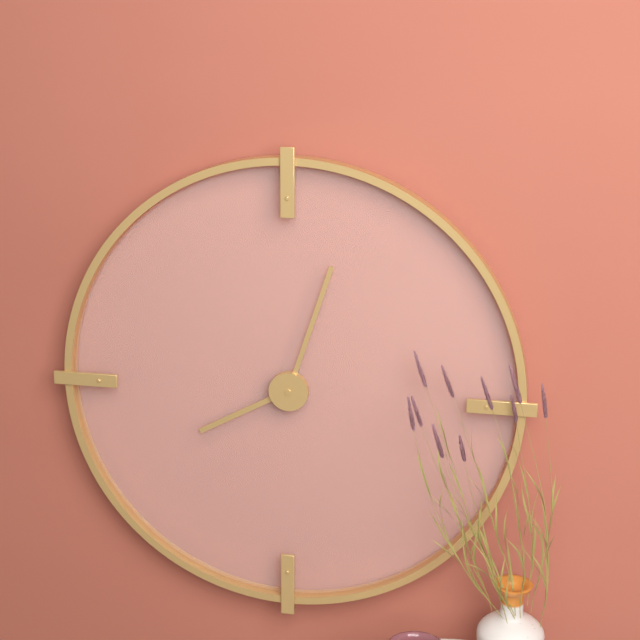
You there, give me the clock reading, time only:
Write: 8:03
